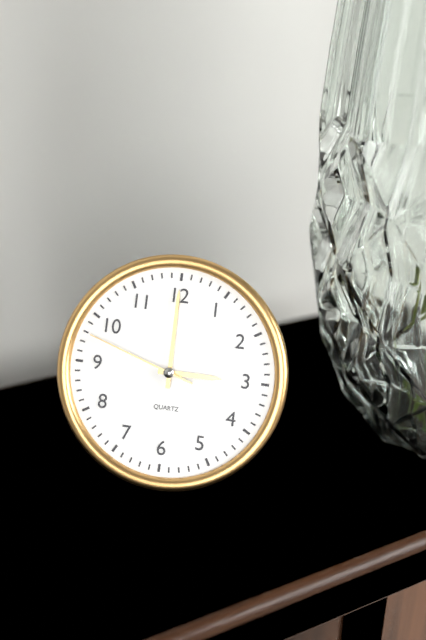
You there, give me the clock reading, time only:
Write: 3:00:48
